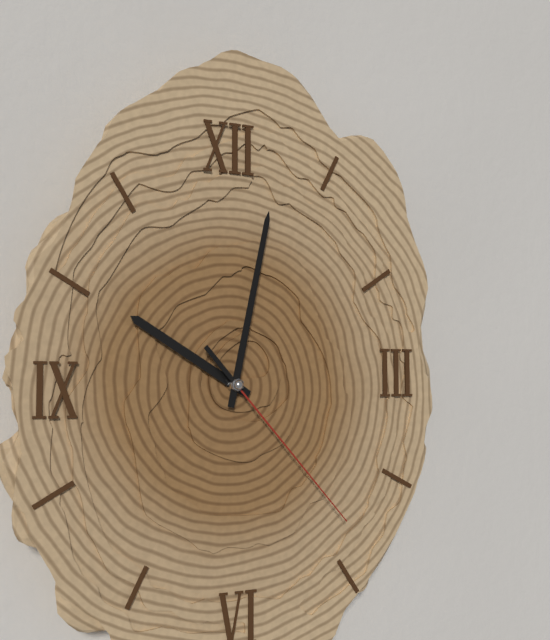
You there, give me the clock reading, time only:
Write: 10:02:23
